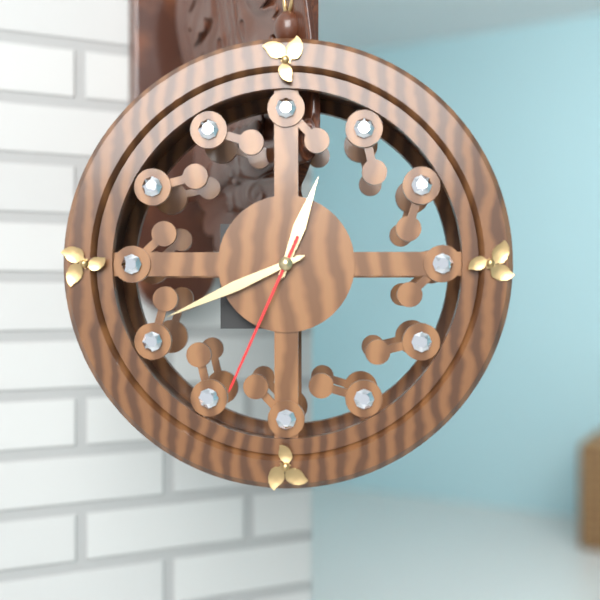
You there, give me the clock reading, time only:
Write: 12:41:34
